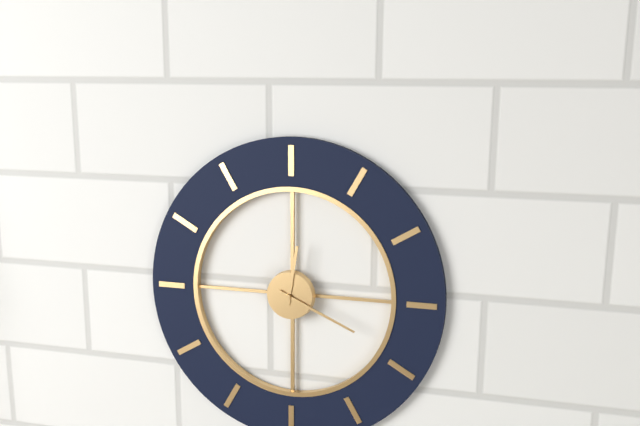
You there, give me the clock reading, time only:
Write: 12:19
